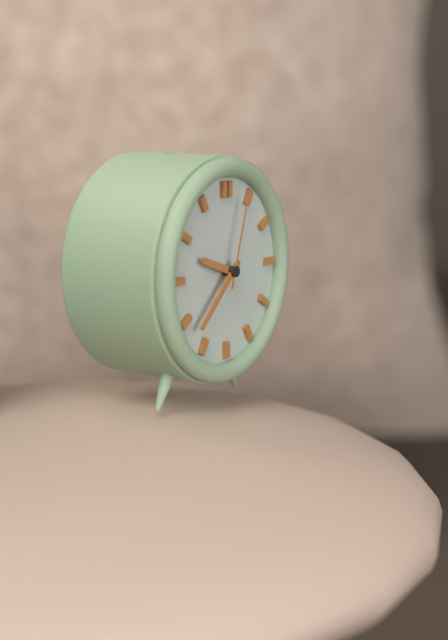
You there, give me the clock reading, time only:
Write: 9:38:03
